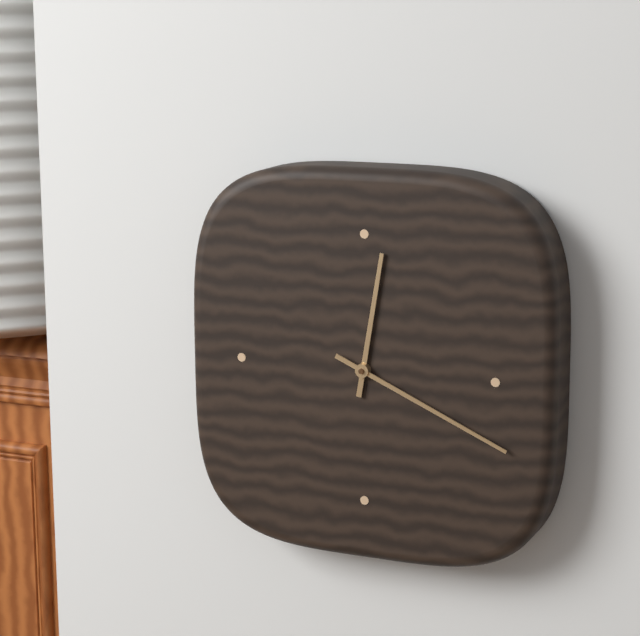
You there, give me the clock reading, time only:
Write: 12:19
